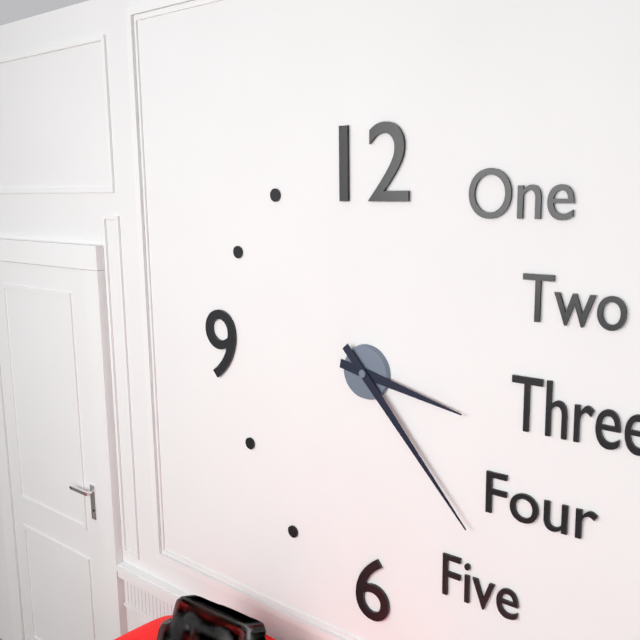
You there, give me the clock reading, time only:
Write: 3:23
